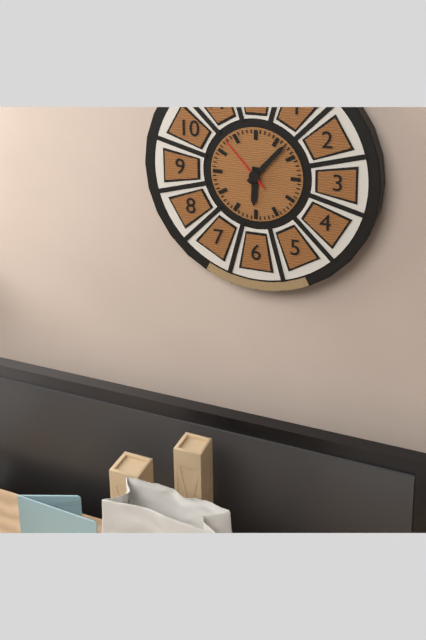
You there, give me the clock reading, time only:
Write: 6:07:53
